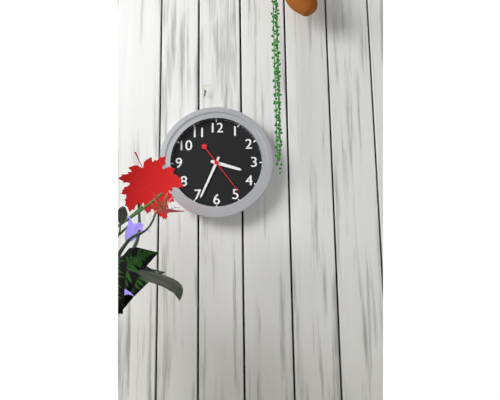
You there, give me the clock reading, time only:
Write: 3:34
